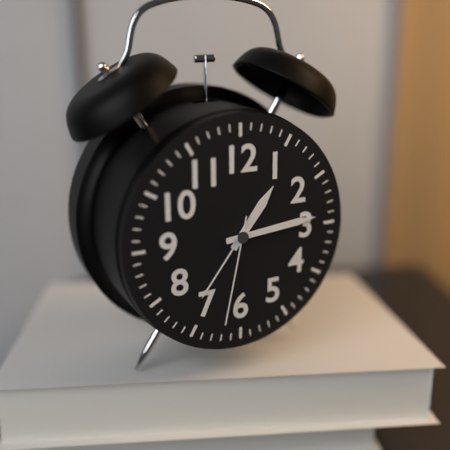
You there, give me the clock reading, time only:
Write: 1:14:32
